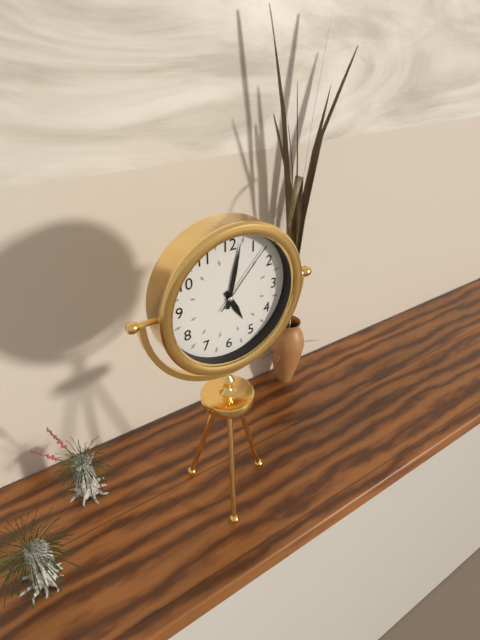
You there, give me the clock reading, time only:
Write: 5:02:07
